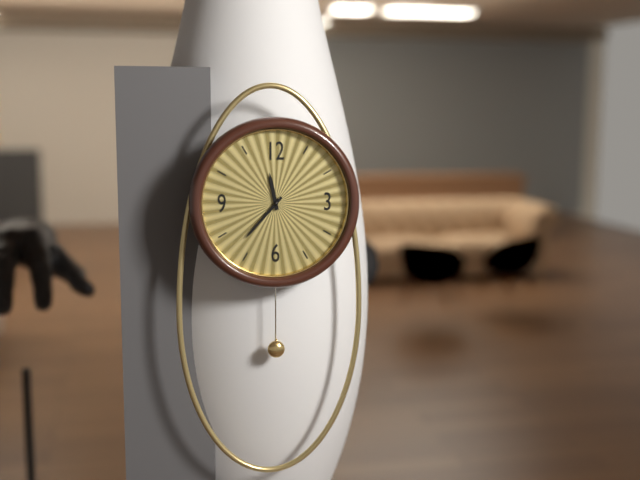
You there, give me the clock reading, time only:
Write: 11:37
